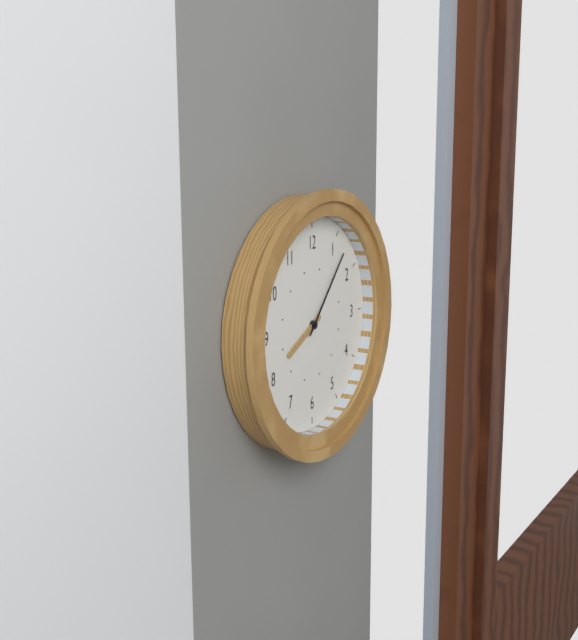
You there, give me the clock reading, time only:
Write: 8:07
